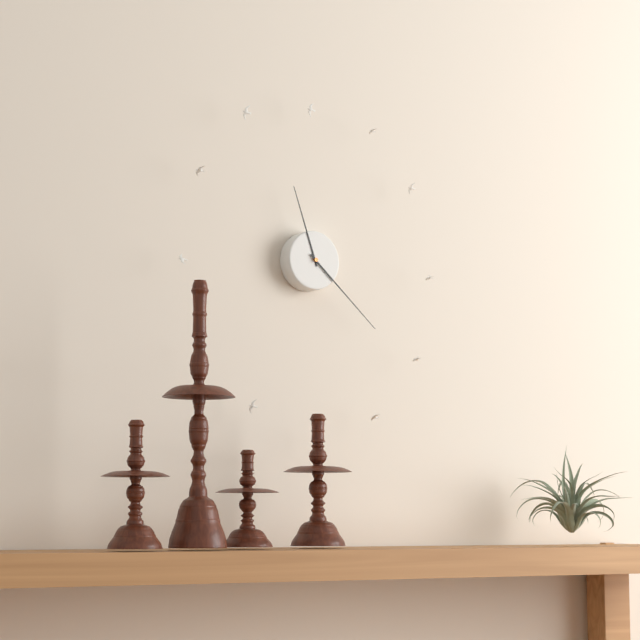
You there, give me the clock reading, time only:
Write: 11:22
